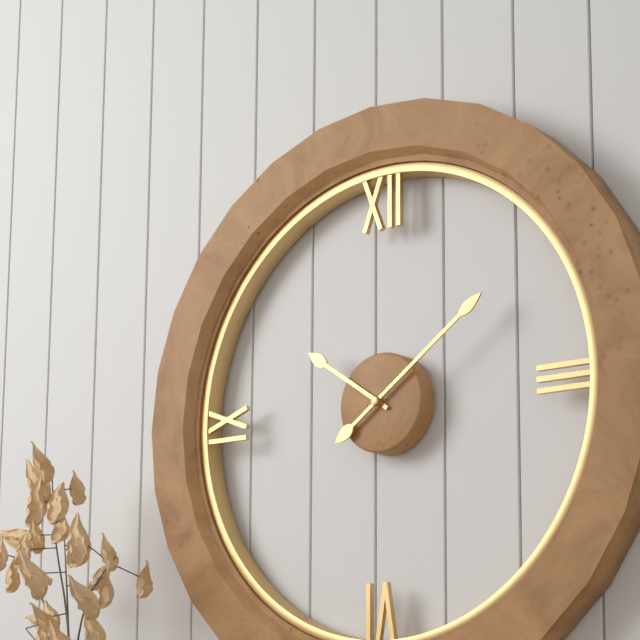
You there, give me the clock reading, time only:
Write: 10:09
